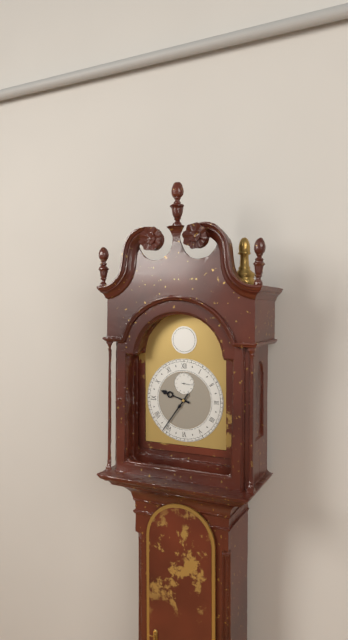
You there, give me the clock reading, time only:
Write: 9:36
